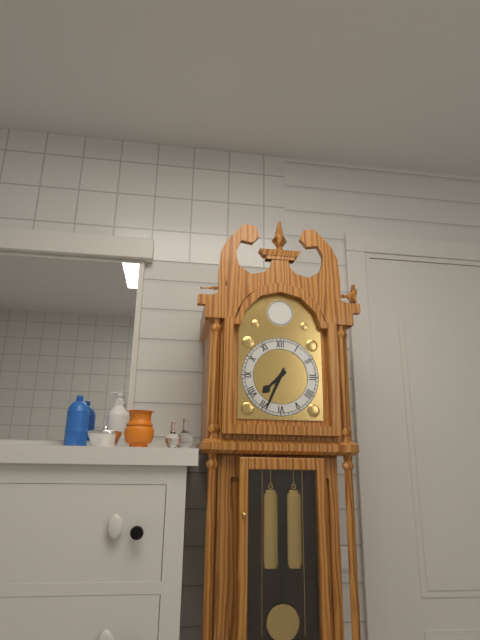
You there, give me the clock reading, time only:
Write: 7:34
